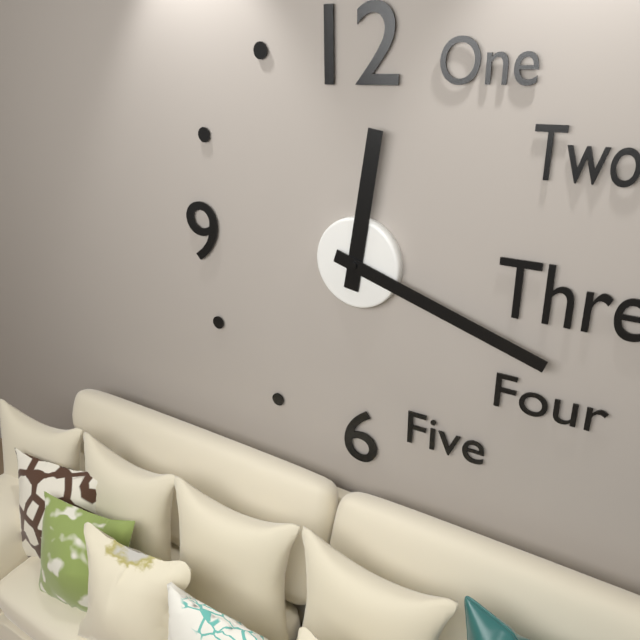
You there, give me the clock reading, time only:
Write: 12:18
